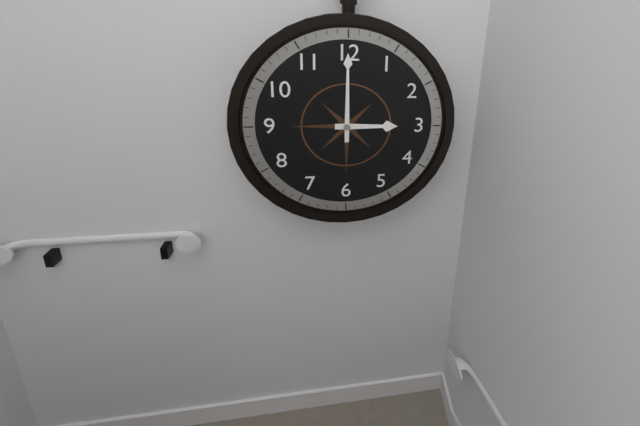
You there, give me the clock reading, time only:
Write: 3:00
